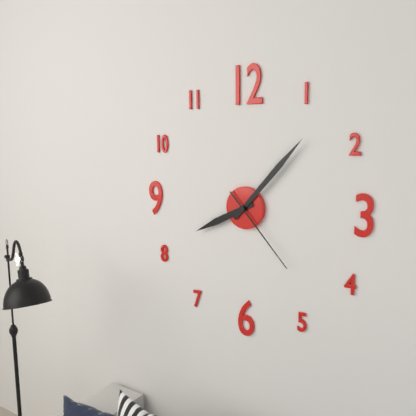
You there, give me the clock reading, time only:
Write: 8:07:23
